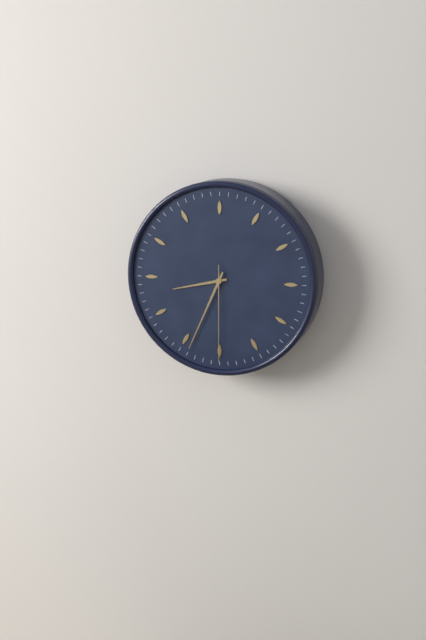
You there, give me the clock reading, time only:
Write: 8:34:30
